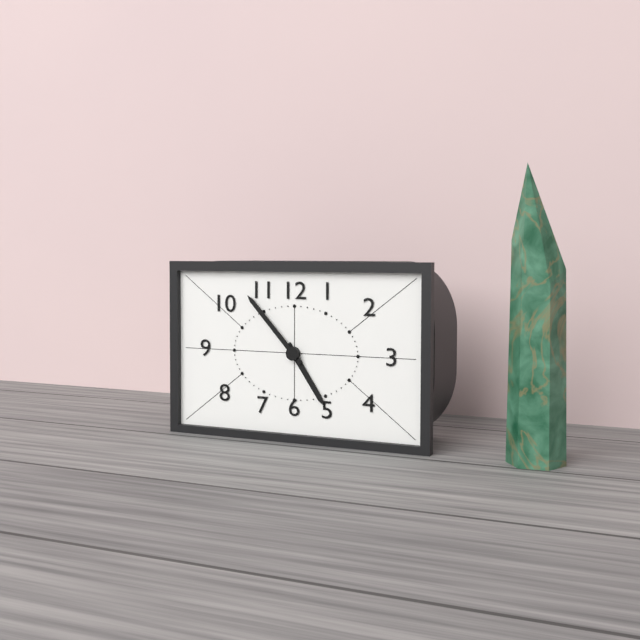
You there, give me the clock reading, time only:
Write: 4:53
